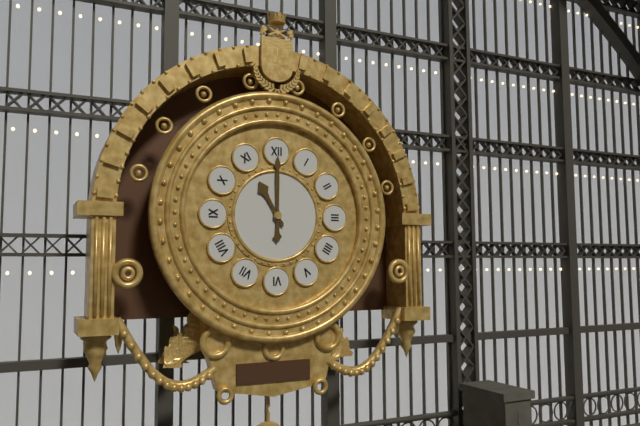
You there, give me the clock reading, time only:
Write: 11:00
